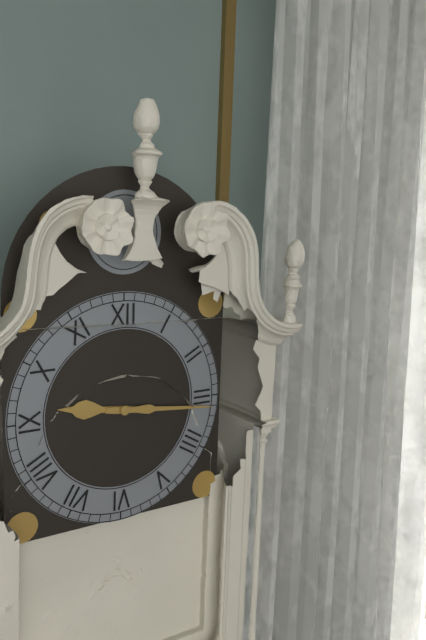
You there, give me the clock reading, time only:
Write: 9:16
